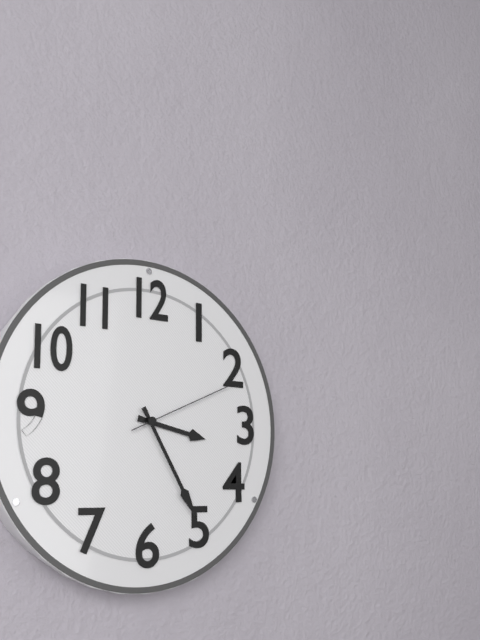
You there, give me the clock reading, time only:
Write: 3:25:11
